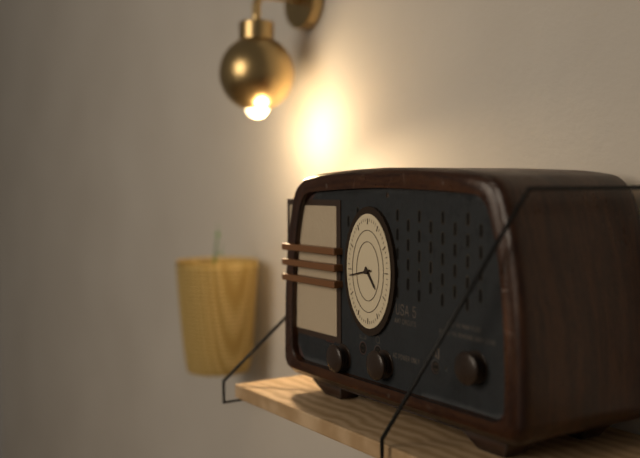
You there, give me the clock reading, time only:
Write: 4:43
